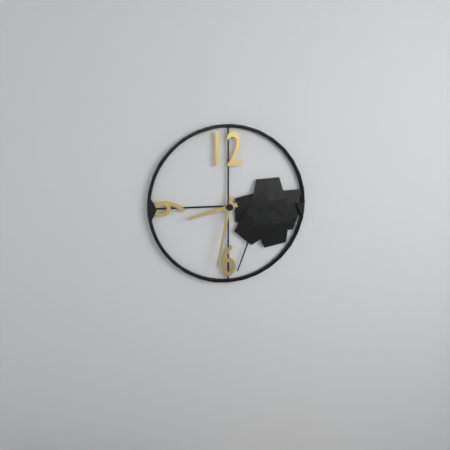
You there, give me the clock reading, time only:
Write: 8:32
